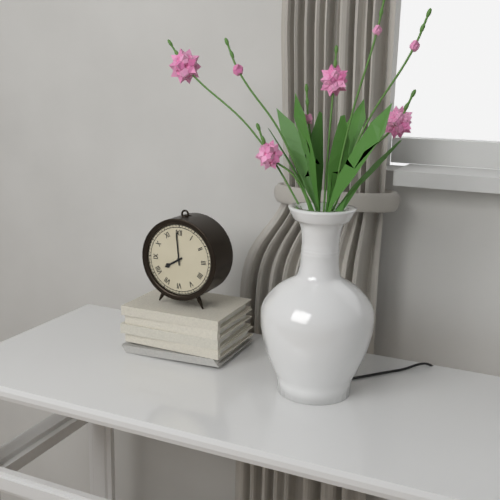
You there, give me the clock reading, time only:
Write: 7:59
